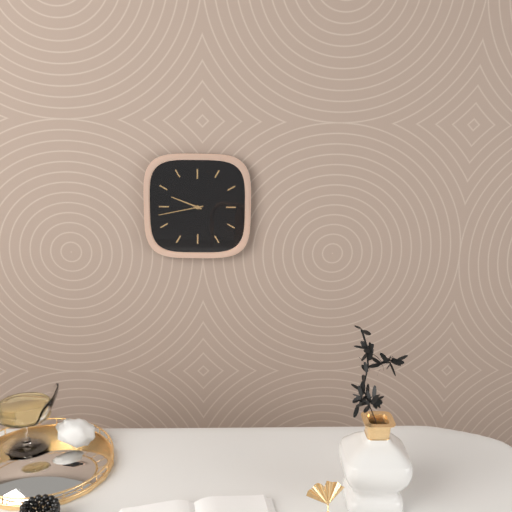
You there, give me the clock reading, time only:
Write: 9:43
